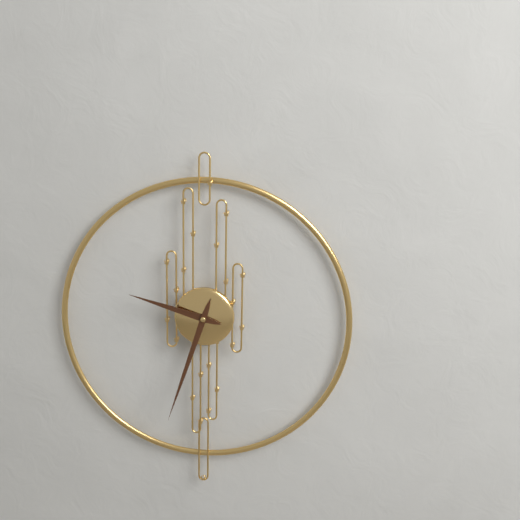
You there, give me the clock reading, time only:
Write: 9:33
